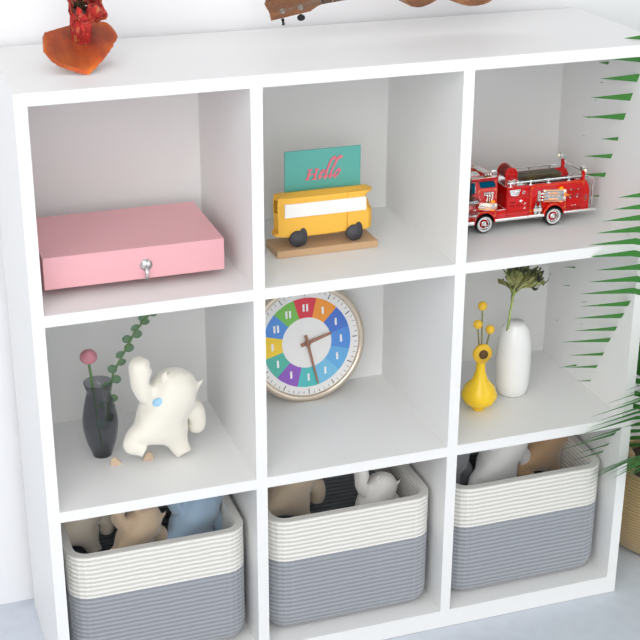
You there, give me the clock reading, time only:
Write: 2:28
